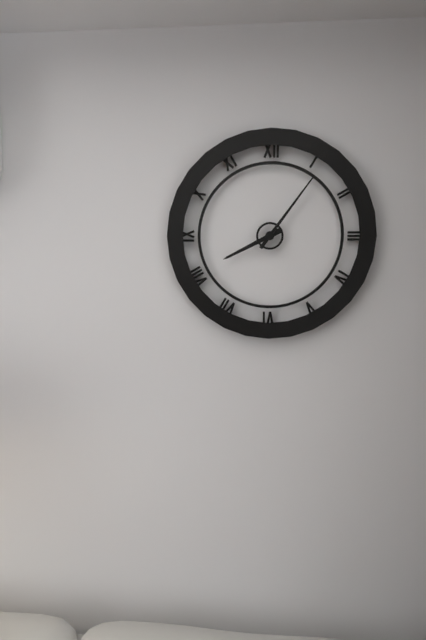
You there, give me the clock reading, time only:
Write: 8:06
